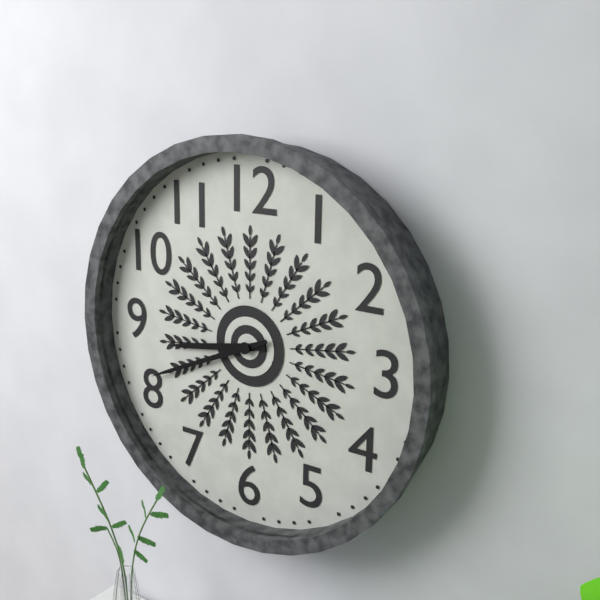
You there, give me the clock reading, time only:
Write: 8:41
